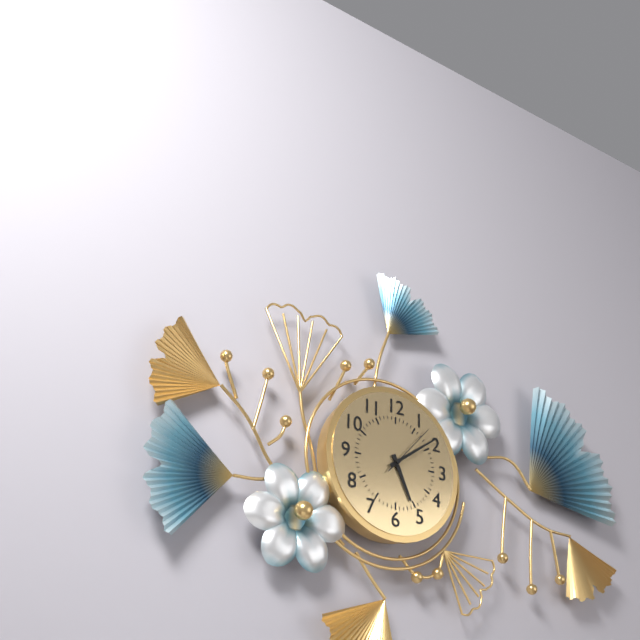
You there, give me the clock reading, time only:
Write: 5:09:07
